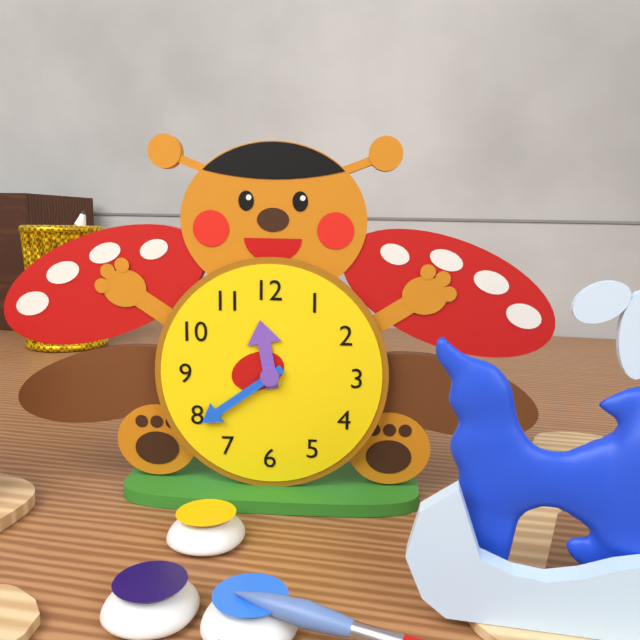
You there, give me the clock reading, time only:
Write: 11:39
